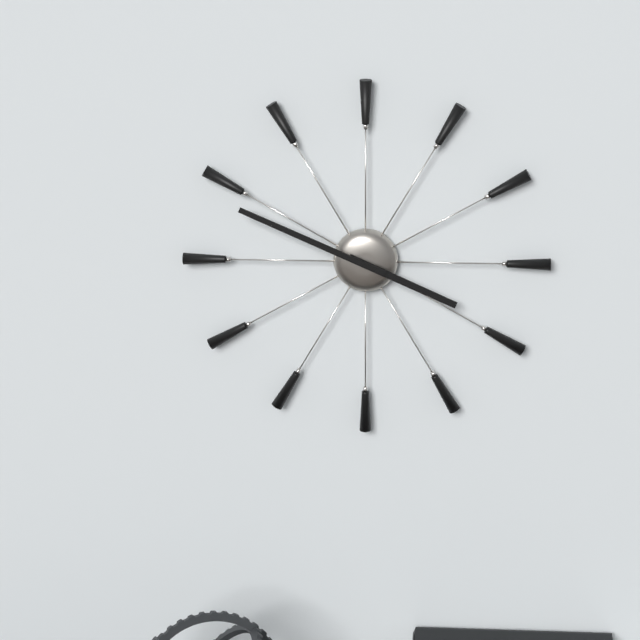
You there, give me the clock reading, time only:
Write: 3:49
